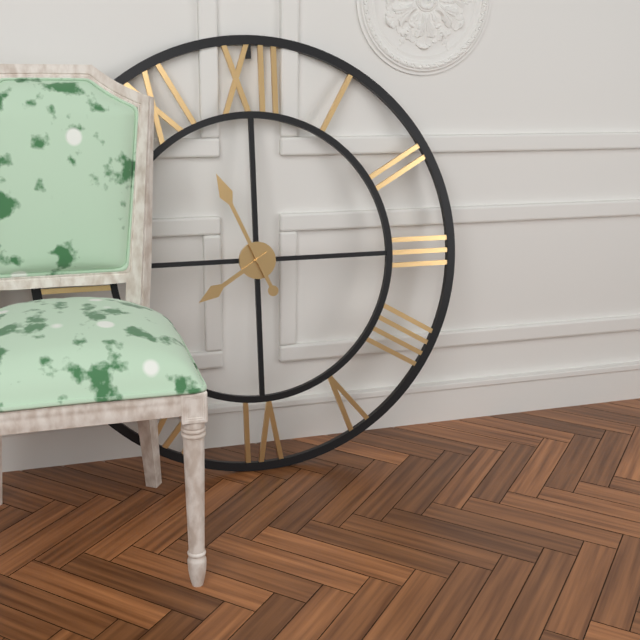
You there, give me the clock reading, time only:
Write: 7:56
